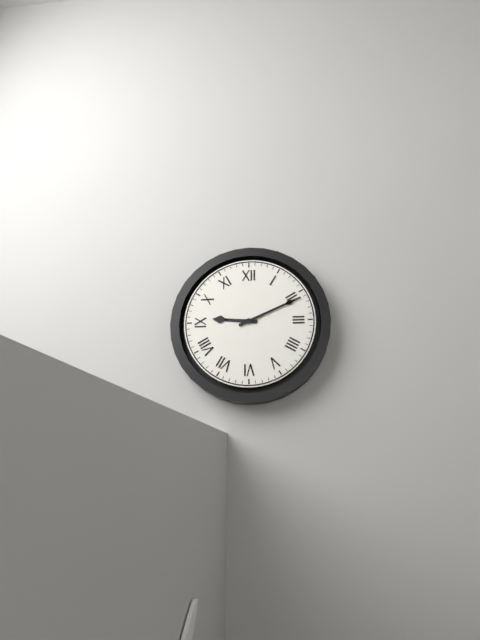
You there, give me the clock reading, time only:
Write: 9:11
